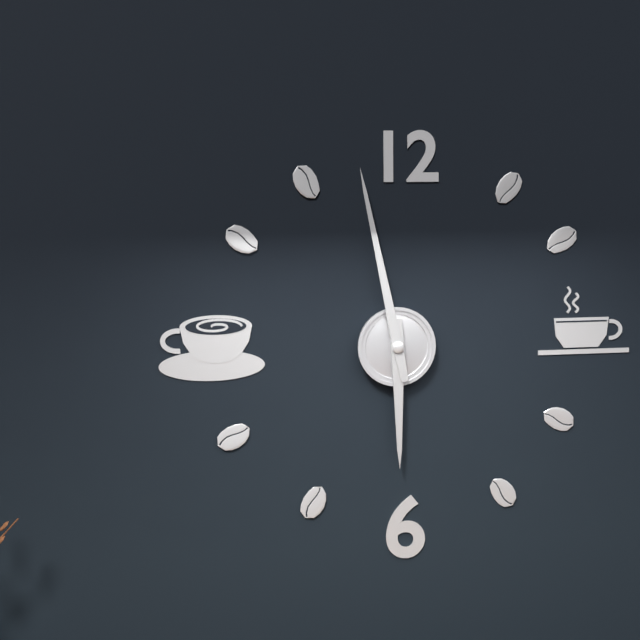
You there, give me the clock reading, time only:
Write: 5:58
